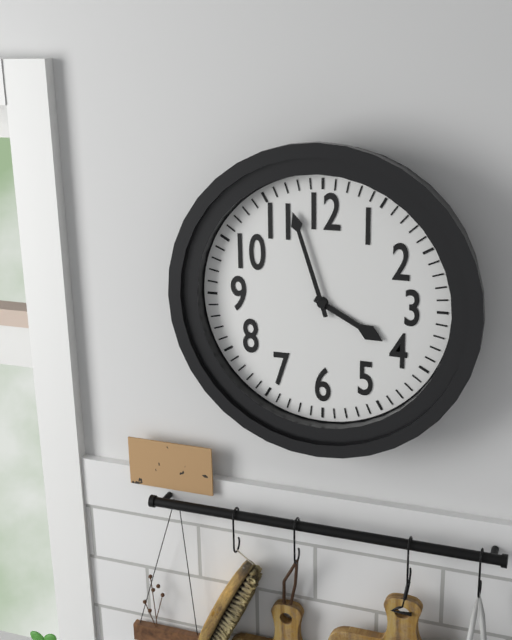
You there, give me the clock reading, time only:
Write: 3:57
